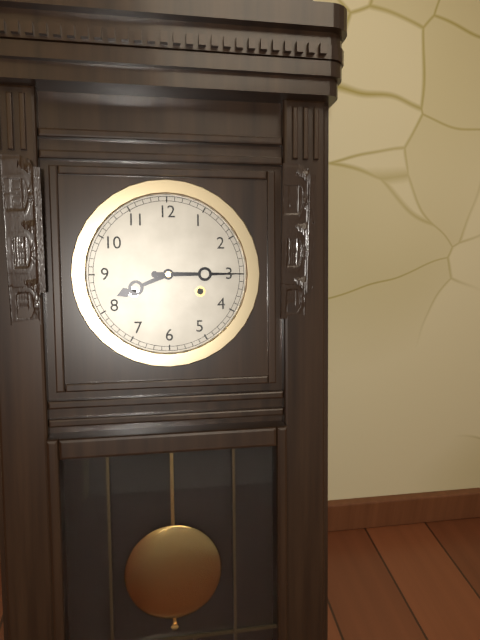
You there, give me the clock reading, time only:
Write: 8:15
